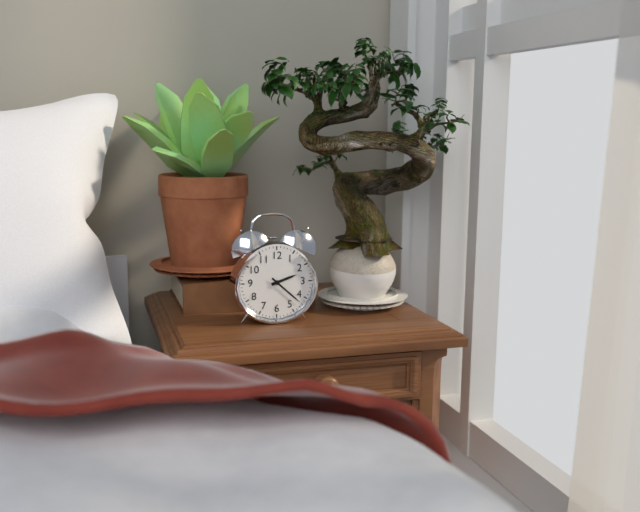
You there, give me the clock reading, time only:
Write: 2:22
